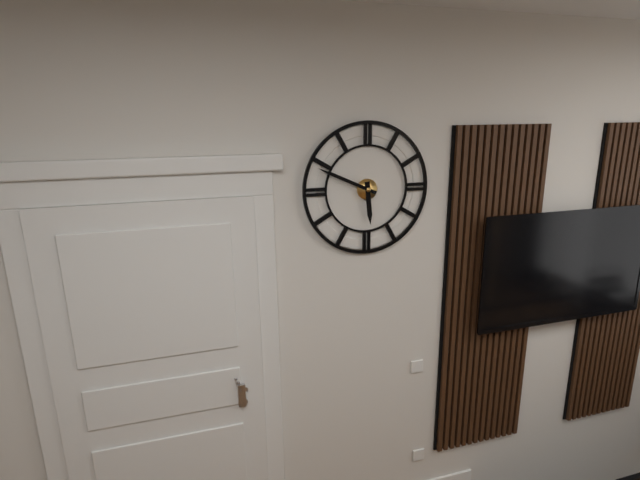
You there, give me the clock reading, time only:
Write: 5:49
